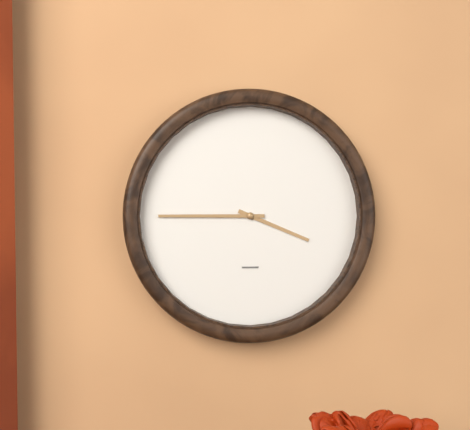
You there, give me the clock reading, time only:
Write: 3:45
